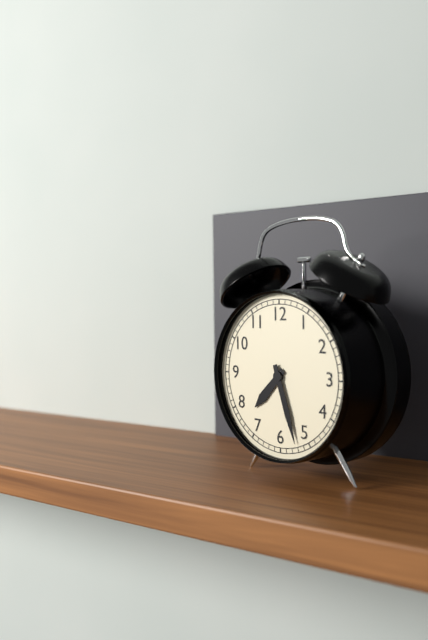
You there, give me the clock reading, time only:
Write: 7:27
